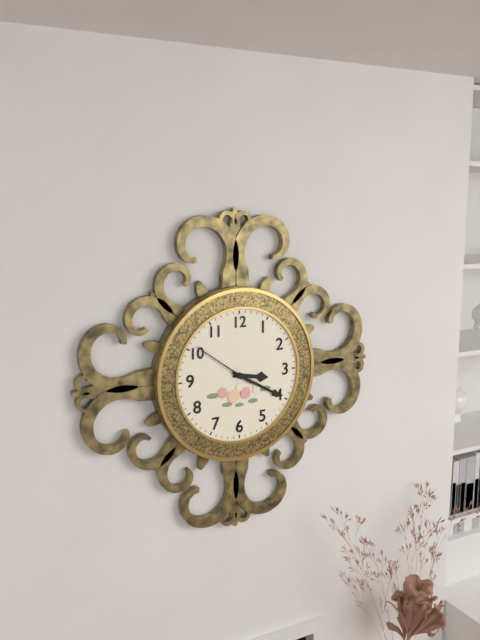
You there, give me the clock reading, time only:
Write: 3:20:51
